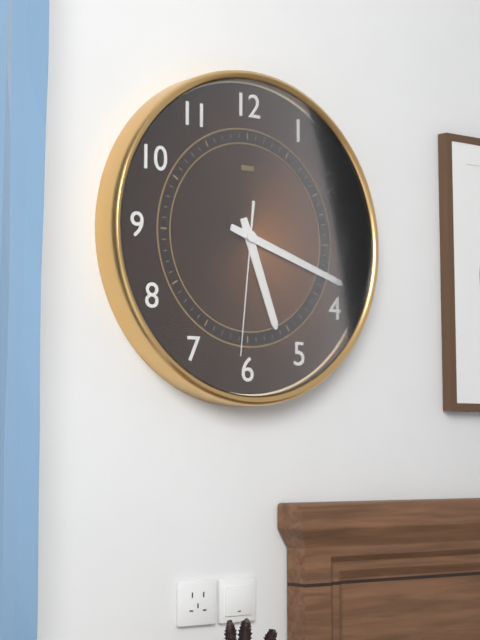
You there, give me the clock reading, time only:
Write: 5:18:31
